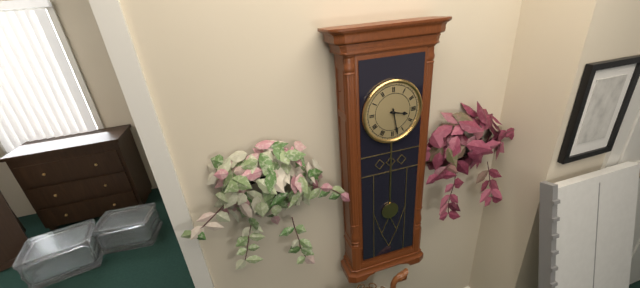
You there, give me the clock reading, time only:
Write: 3:28
